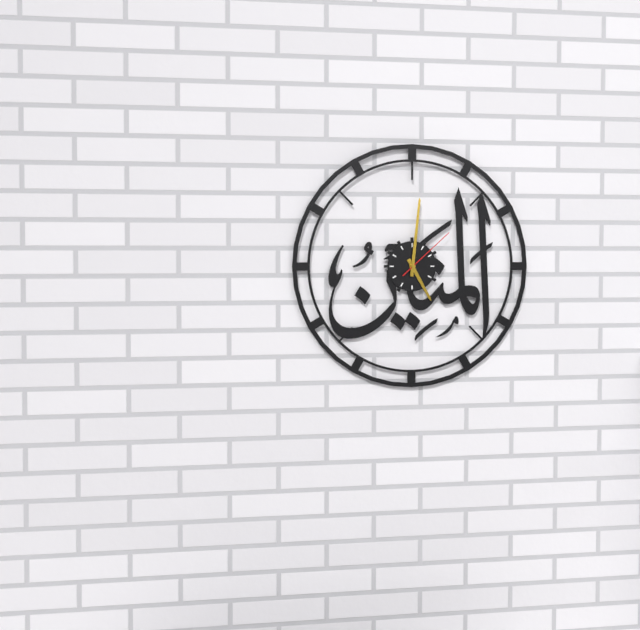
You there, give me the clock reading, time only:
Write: 5:01:08
